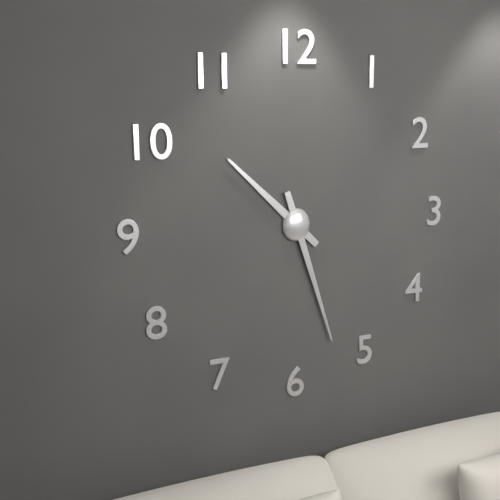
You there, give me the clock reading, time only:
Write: 10:27
